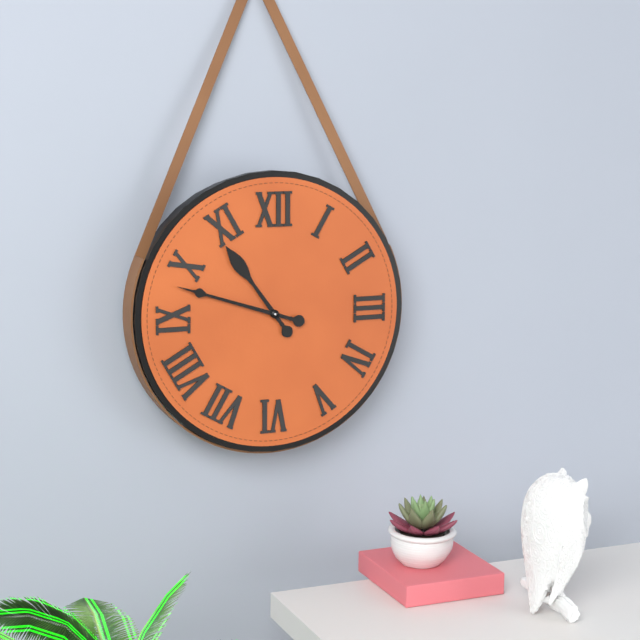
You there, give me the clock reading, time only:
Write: 10:48
